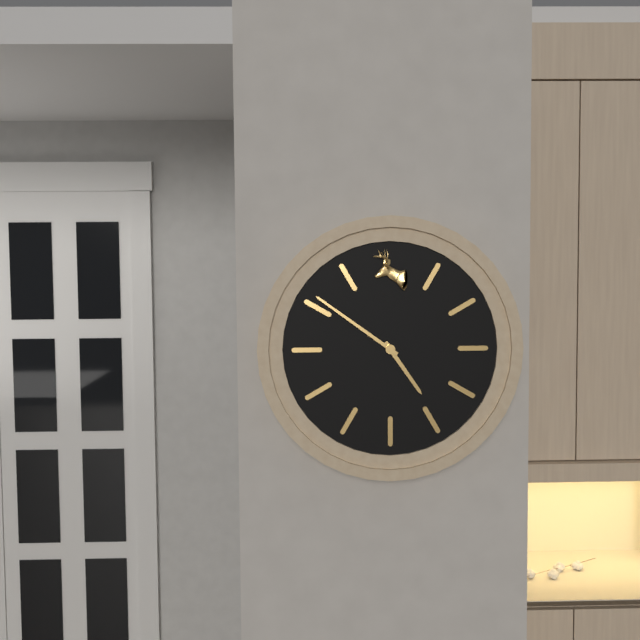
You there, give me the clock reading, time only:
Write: 4:51
